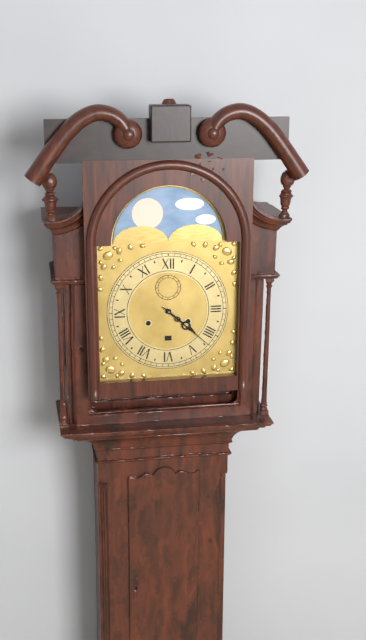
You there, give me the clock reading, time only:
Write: 4:22
